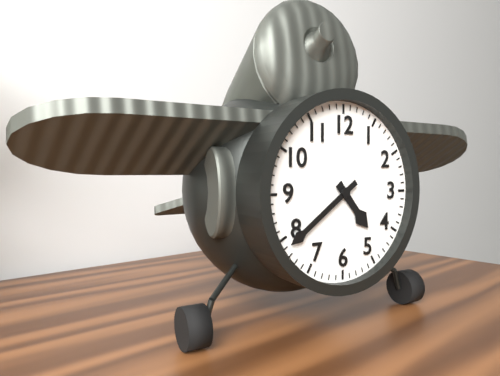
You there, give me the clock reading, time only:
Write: 4:39
